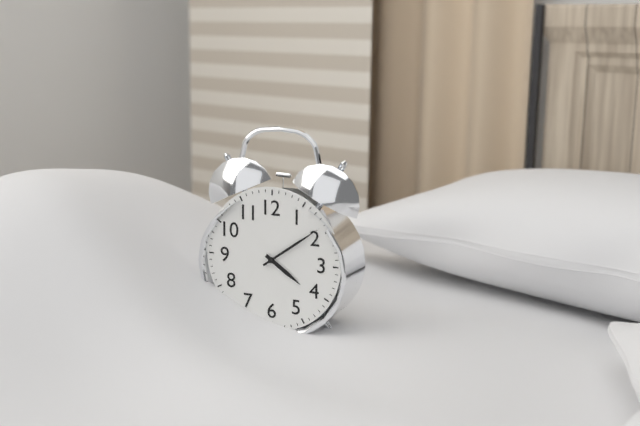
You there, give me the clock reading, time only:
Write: 4:09
